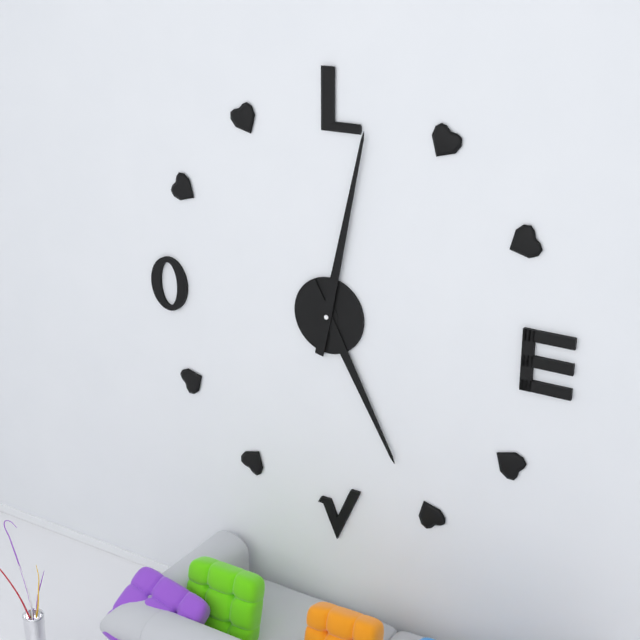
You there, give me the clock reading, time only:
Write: 5:02
